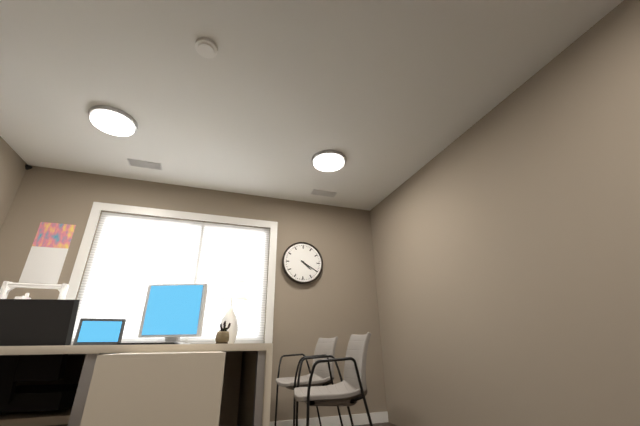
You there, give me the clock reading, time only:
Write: 4:20
